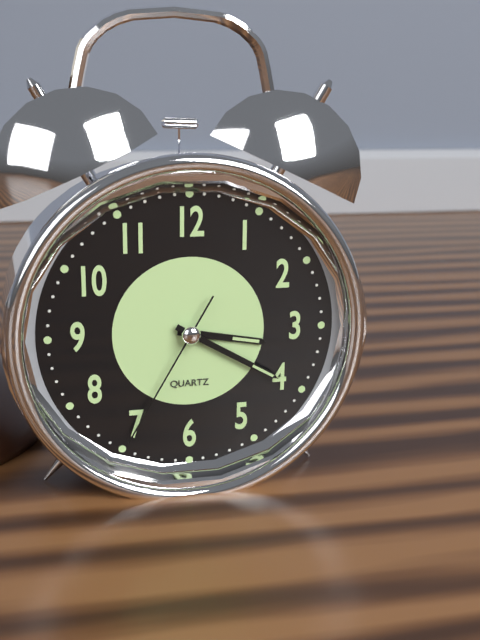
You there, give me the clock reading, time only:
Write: 3:20:35
